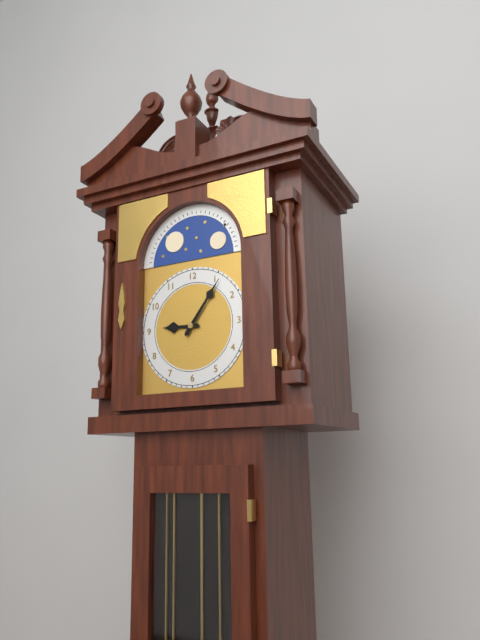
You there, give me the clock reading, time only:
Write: 9:06
